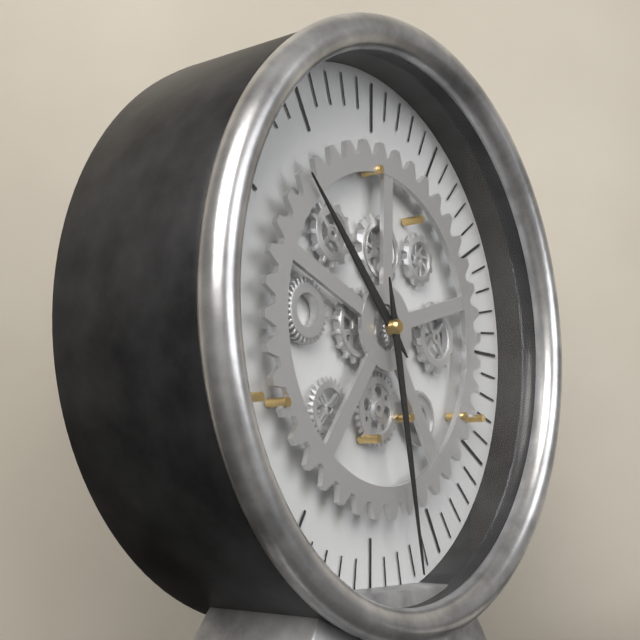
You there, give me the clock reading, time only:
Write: 10:28
